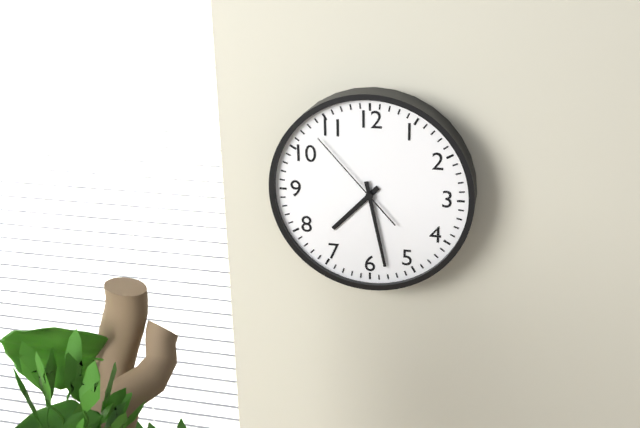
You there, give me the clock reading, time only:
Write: 7:28:53
